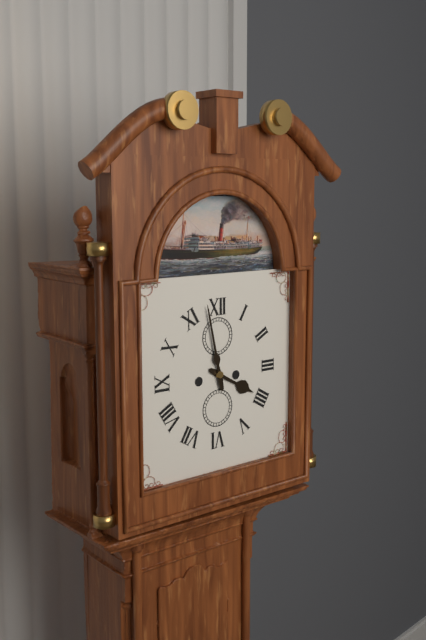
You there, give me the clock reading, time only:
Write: 3:58
